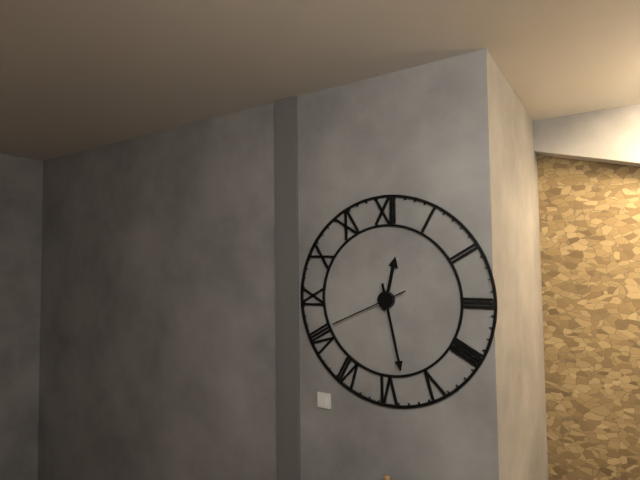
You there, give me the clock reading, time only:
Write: 12:28:41
